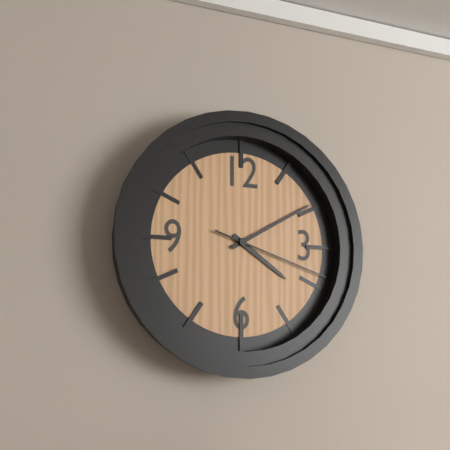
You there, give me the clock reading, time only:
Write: 4:10:18
